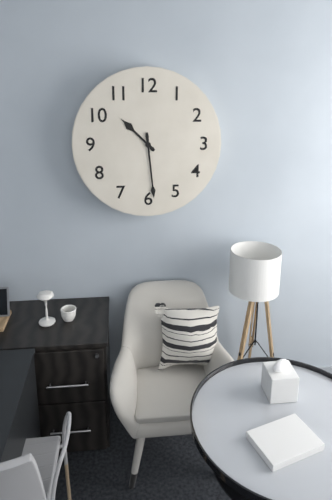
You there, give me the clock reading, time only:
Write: 10:29
